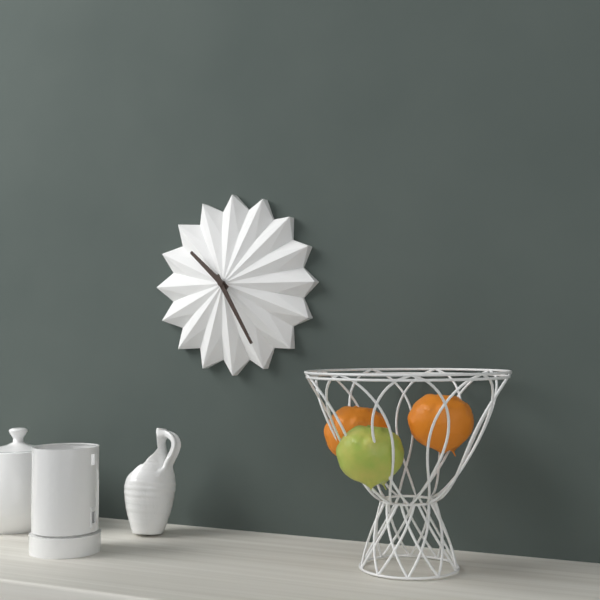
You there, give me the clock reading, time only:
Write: 10:25
